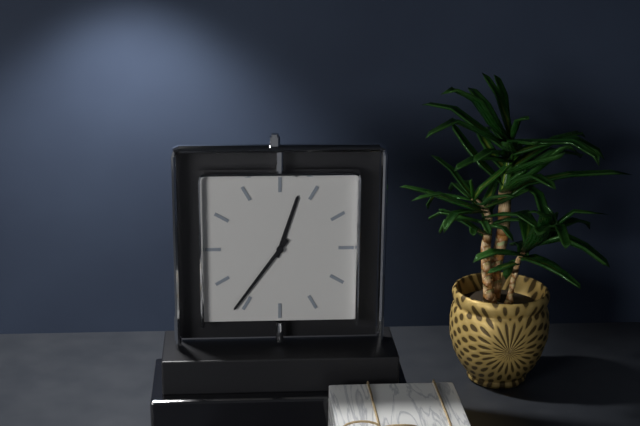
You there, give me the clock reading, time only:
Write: 12:36
